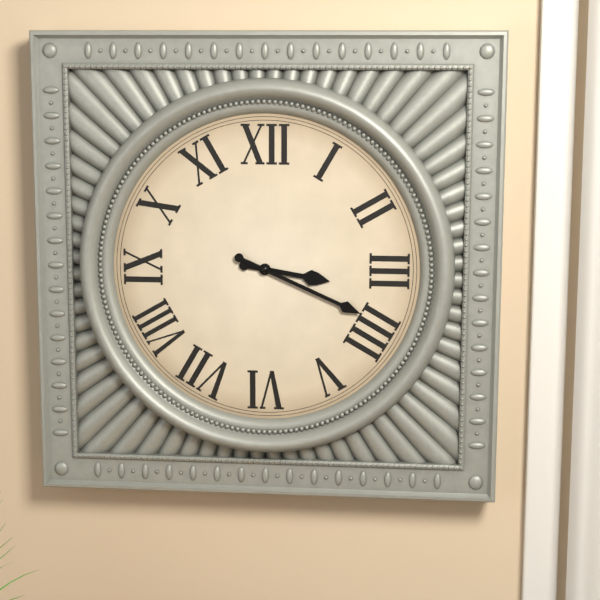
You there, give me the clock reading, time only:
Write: 3:19
